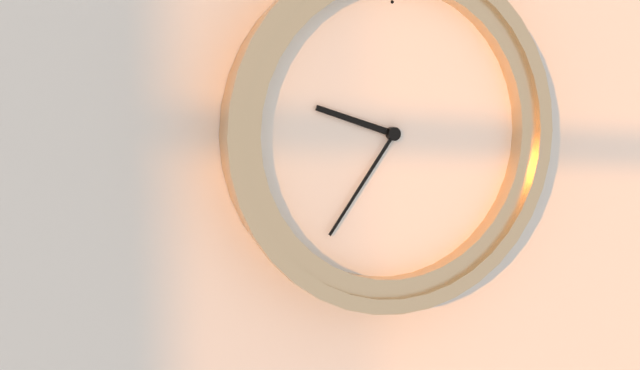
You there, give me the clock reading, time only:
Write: 9:36
